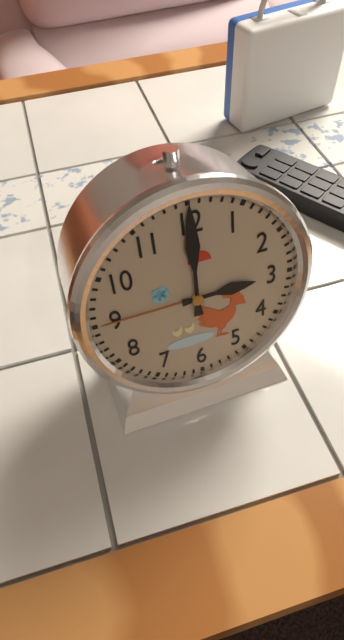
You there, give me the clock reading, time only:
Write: 3:00
